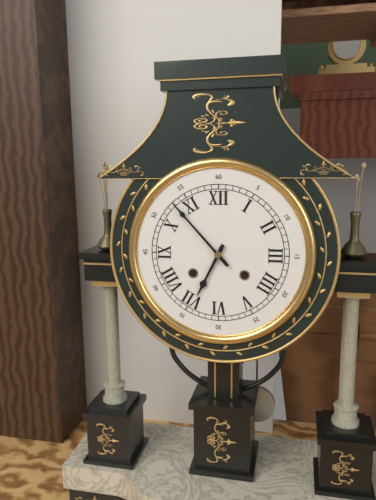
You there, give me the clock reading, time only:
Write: 6:53
